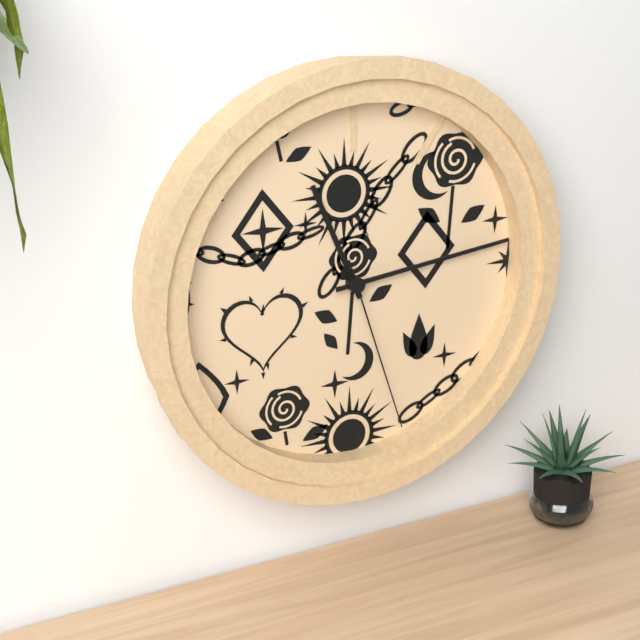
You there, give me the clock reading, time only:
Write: 11:14:27
